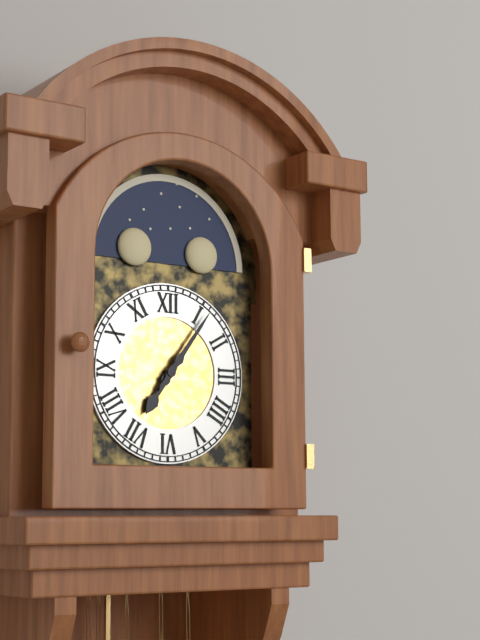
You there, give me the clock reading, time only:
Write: 7:06
